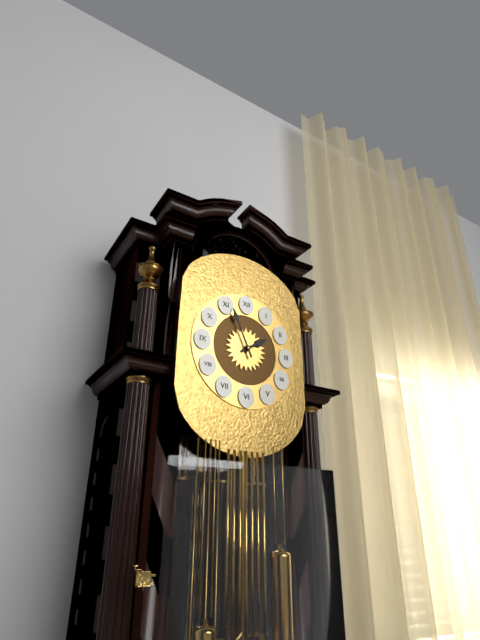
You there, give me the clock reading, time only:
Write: 1:56
